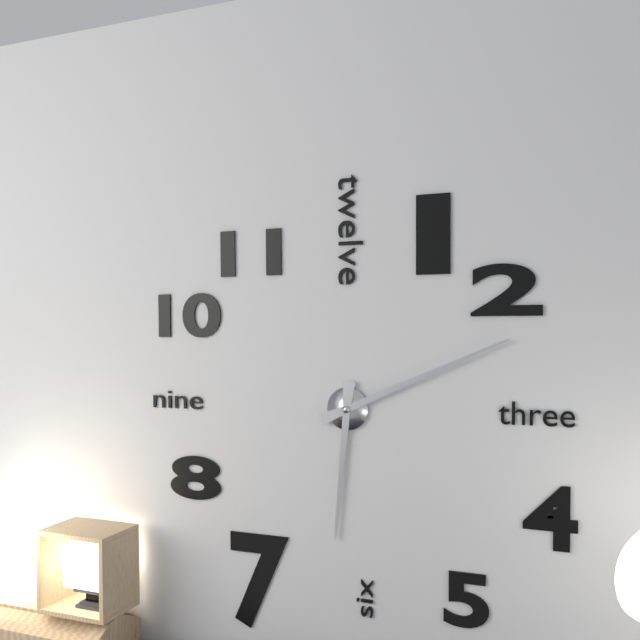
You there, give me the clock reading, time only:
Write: 6:11
